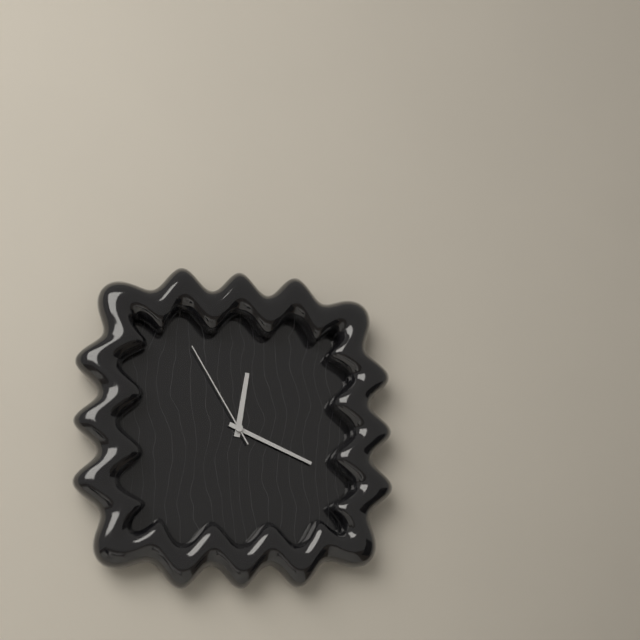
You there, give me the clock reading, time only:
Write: 12:19:55
